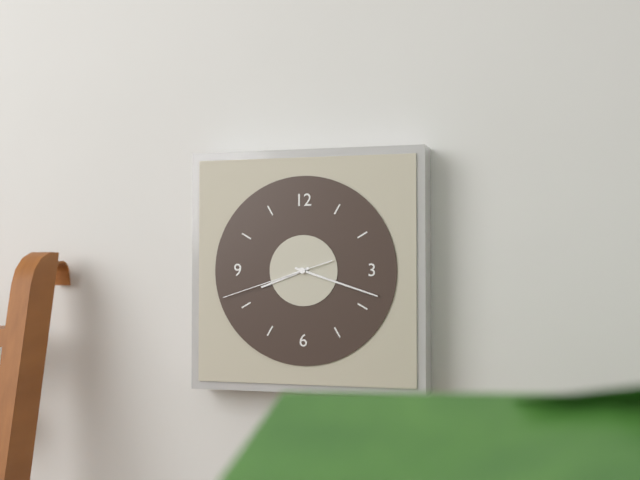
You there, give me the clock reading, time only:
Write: 8:18:42
